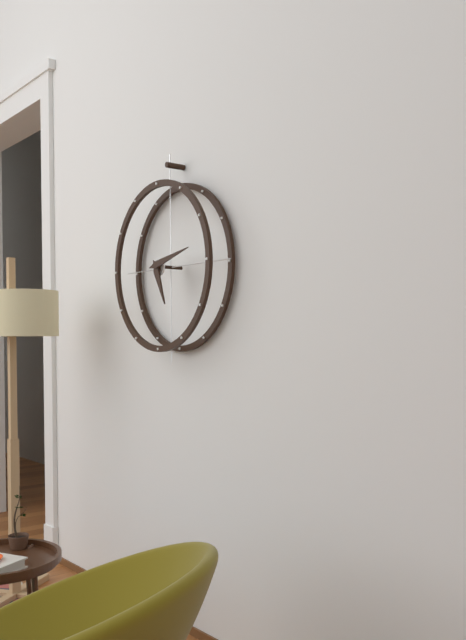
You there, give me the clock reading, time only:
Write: 5:13
